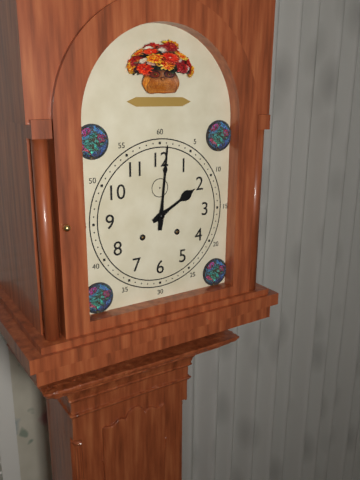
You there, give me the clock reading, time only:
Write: 2:01
